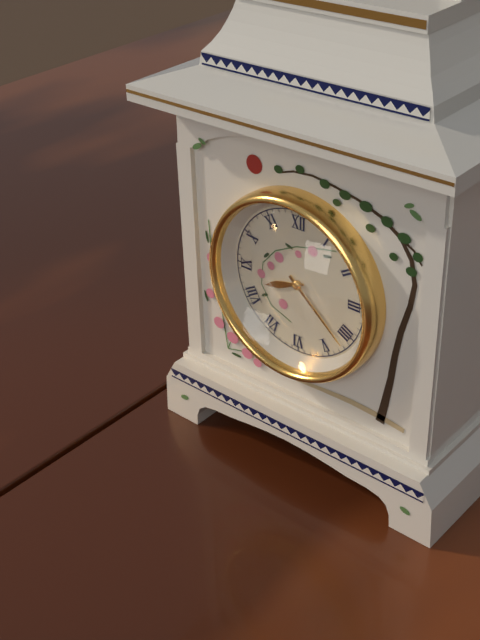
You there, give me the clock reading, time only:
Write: 8:22
